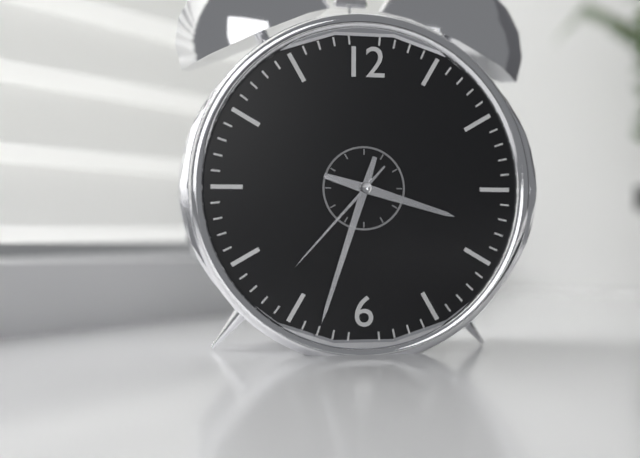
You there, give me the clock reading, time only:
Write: 3:33:37
